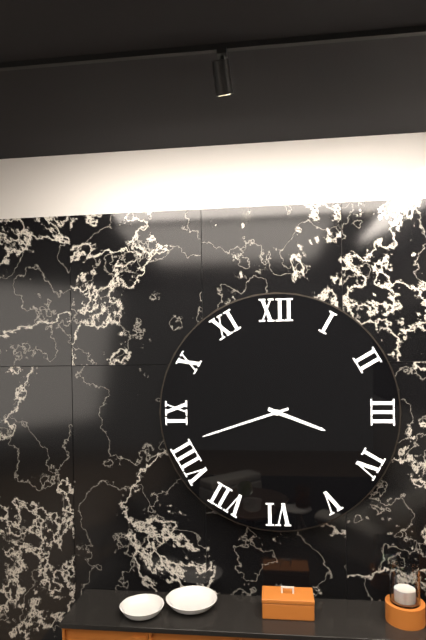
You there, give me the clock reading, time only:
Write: 3:42
